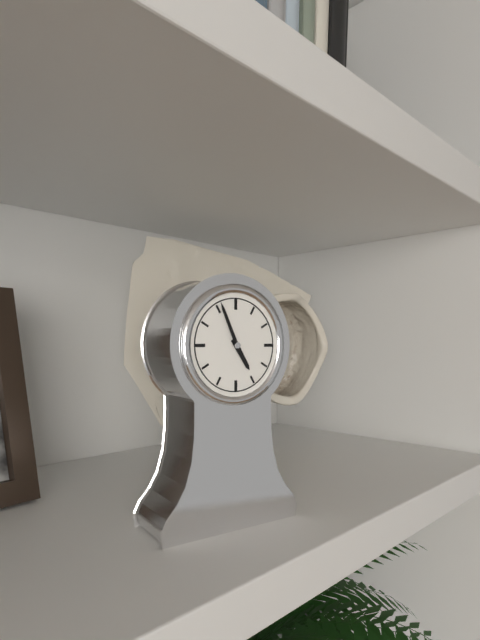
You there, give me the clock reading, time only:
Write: 4:56
